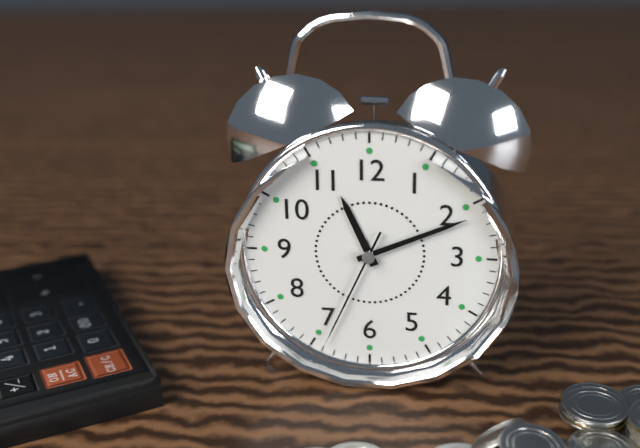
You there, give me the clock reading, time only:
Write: 11:11:34
